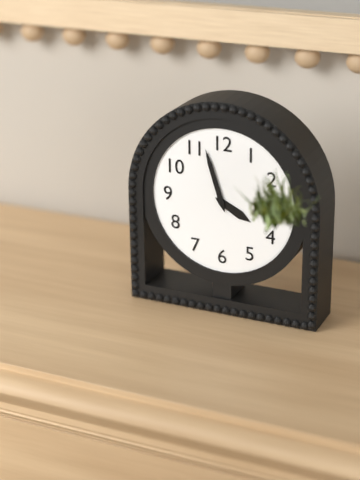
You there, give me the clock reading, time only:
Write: 3:57
